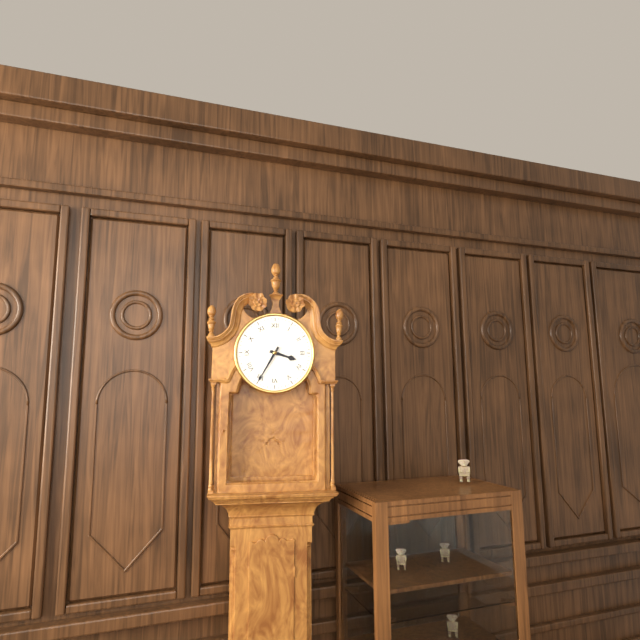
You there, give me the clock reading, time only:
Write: 3:35
